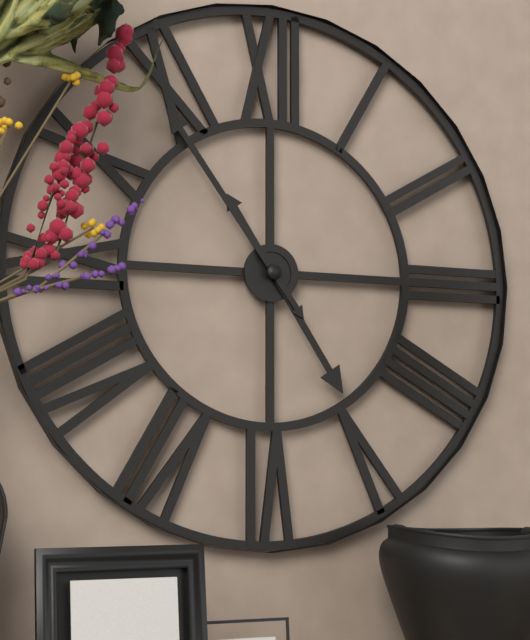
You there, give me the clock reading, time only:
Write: 4:54
